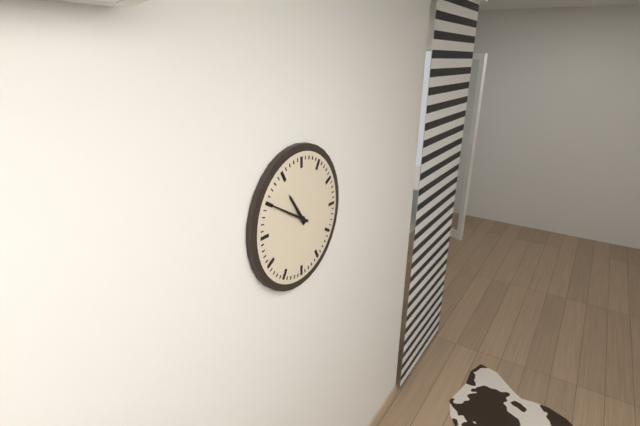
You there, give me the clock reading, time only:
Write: 10:50
